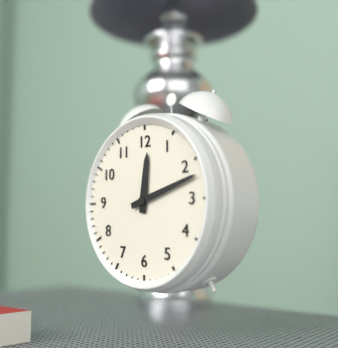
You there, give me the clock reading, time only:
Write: 12:12
